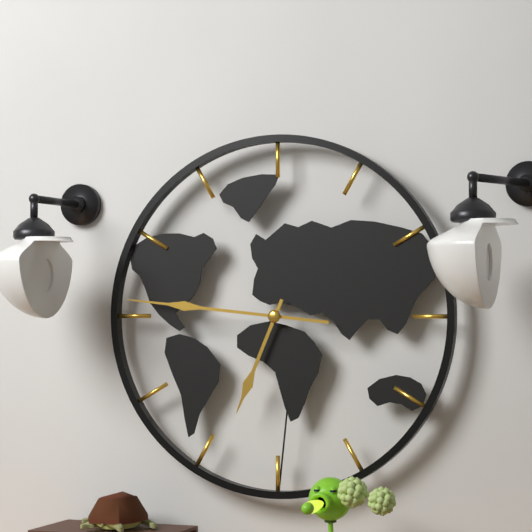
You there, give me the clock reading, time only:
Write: 6:46
